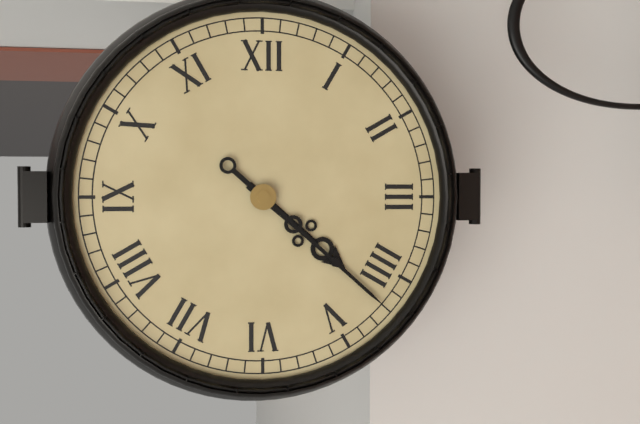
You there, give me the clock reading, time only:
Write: 4:22
